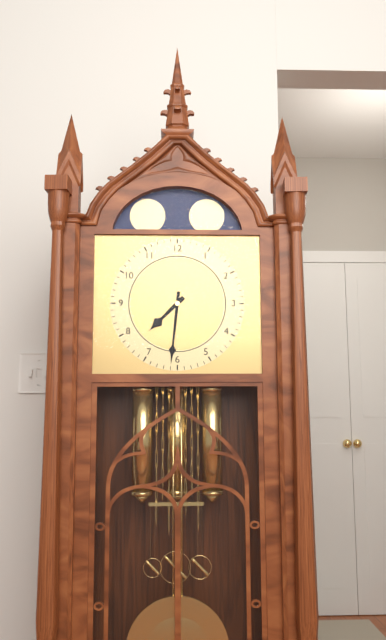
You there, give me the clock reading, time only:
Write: 7:31
